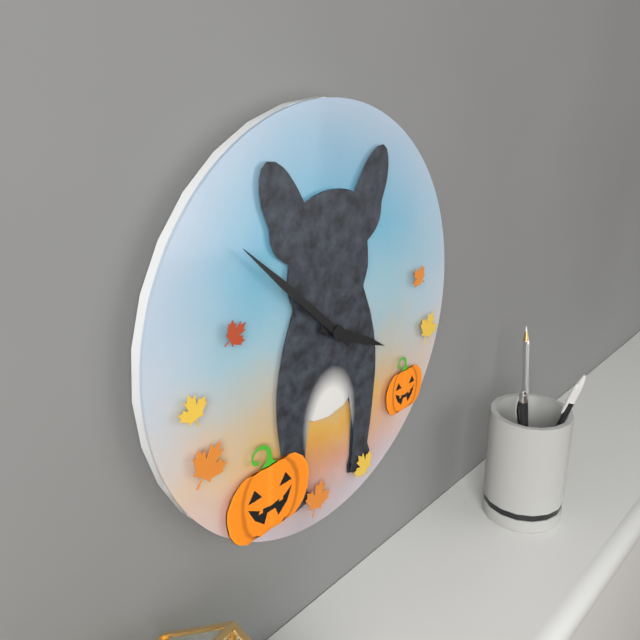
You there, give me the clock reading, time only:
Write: 3:52
